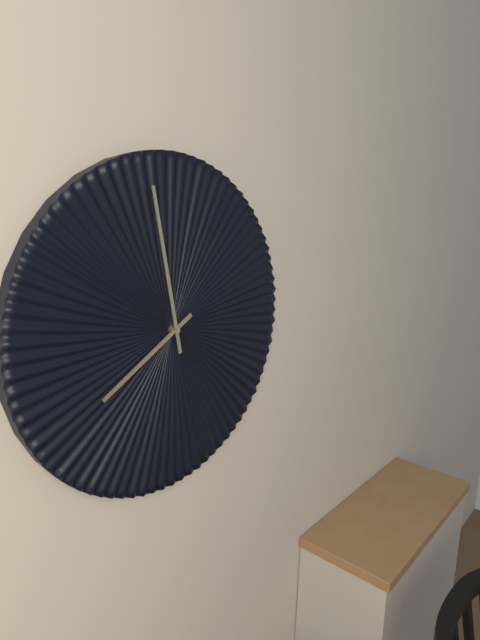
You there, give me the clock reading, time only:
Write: 7:58
